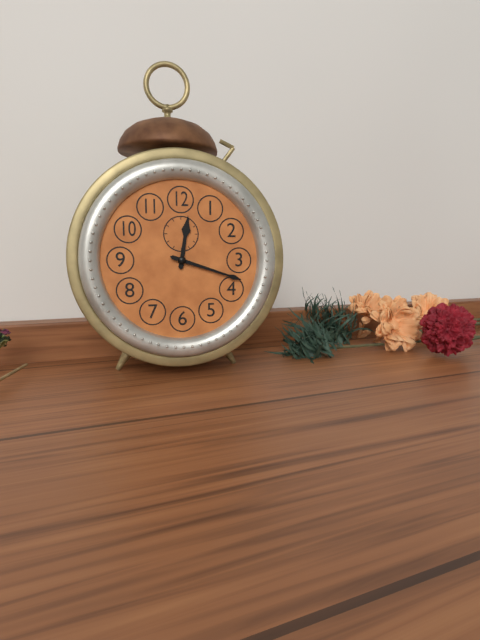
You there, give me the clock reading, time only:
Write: 12:18
